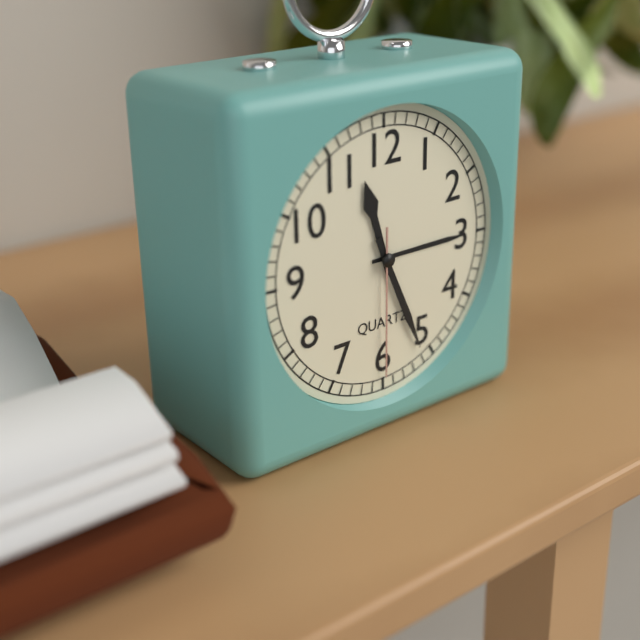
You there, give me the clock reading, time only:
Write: 11:26:30
